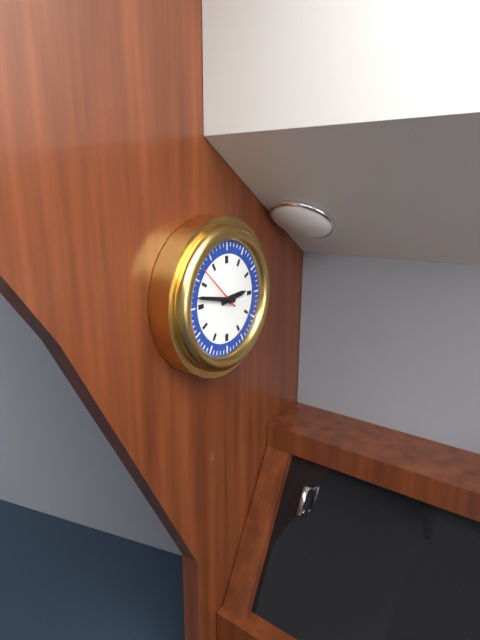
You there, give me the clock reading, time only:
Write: 2:47
